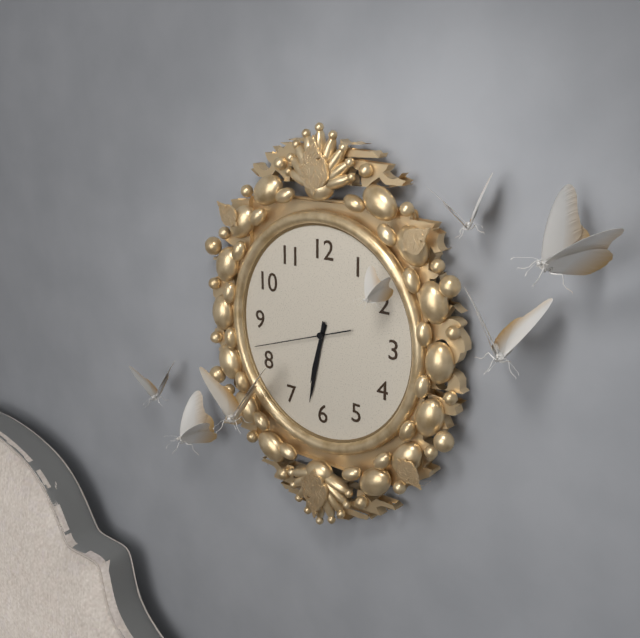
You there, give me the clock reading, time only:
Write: 6:32:42
